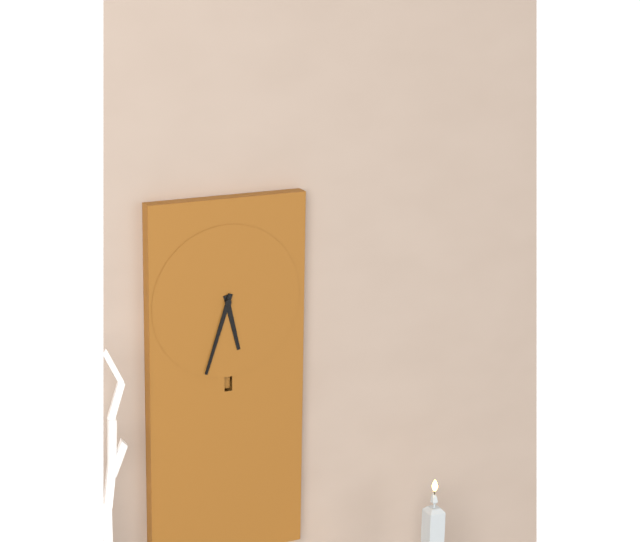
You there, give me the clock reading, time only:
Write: 5:33
